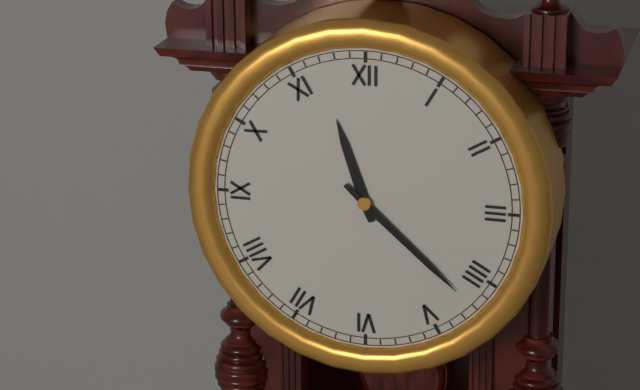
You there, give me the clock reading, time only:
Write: 11:22
